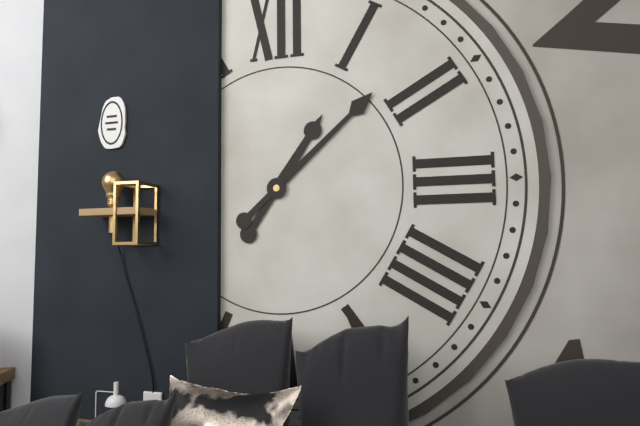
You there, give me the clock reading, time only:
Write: 1:08
